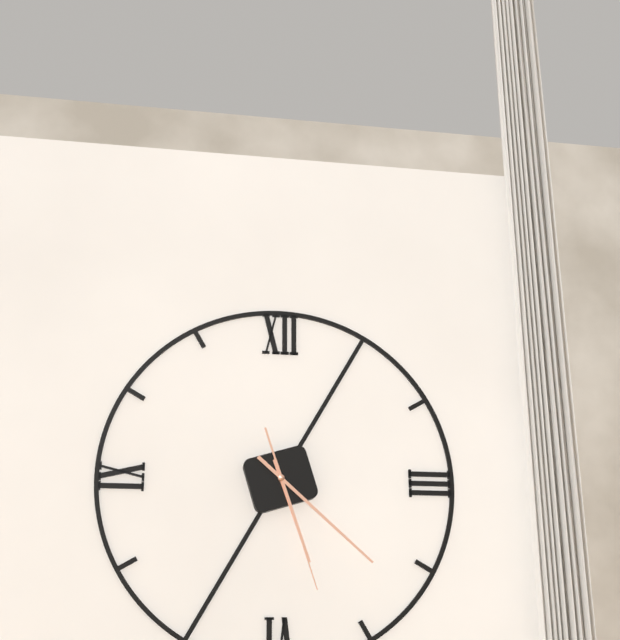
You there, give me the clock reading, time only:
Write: 5:22:27
